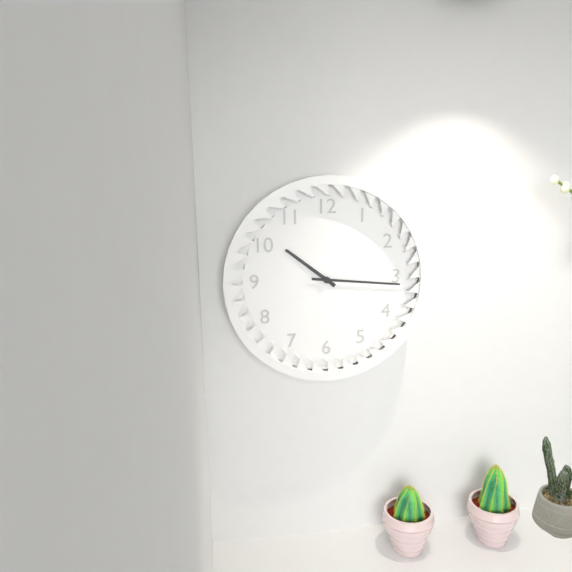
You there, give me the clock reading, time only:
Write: 10:16
